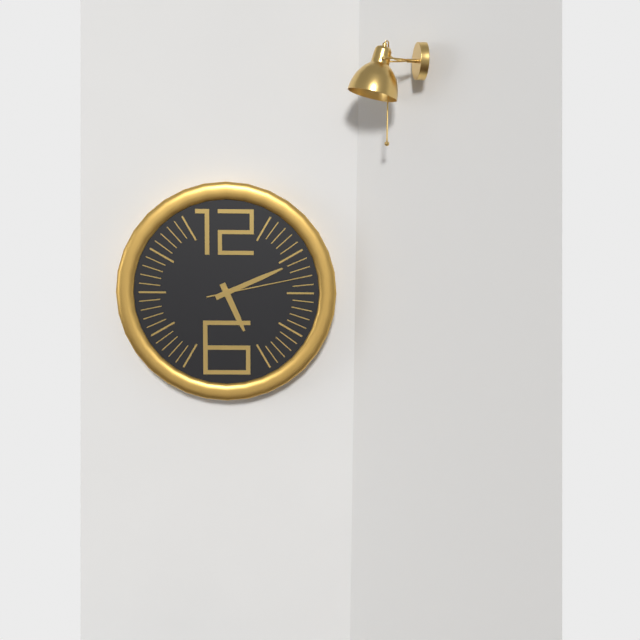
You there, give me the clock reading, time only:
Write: 5:11:13
